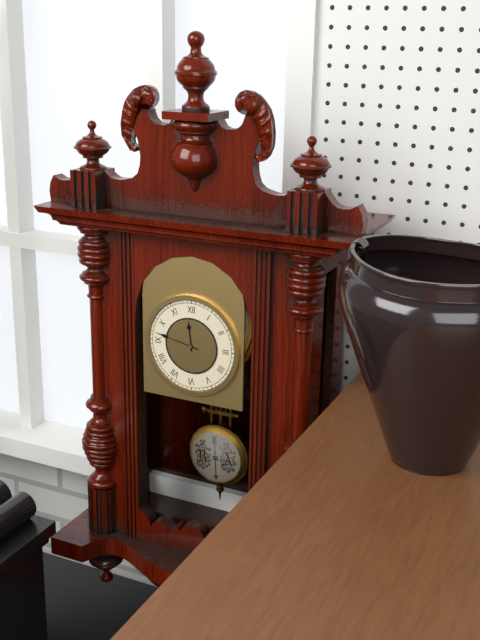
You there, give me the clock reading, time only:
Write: 11:47
